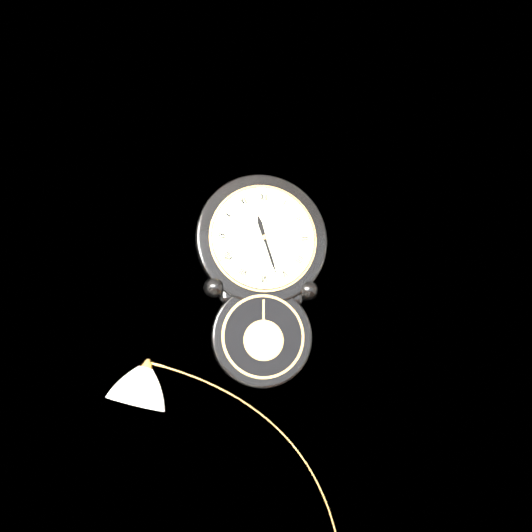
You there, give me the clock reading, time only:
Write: 11:27
